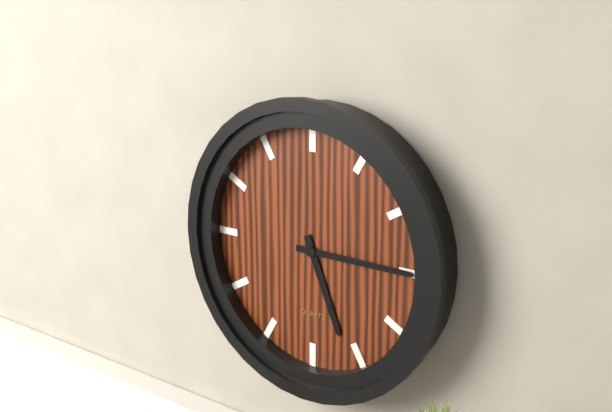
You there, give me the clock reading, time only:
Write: 5:15
